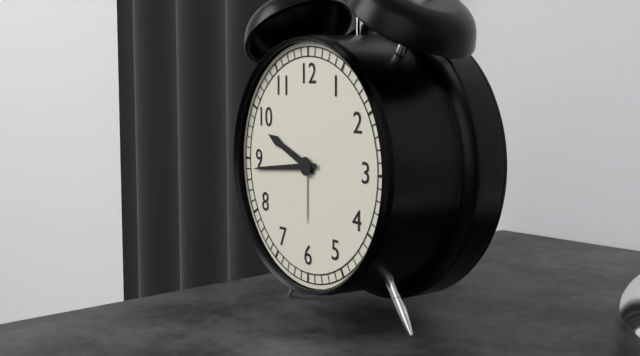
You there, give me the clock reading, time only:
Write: 9:44
